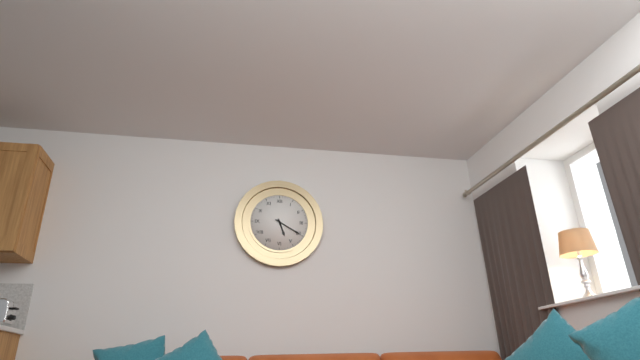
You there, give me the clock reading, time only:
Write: 5:20
